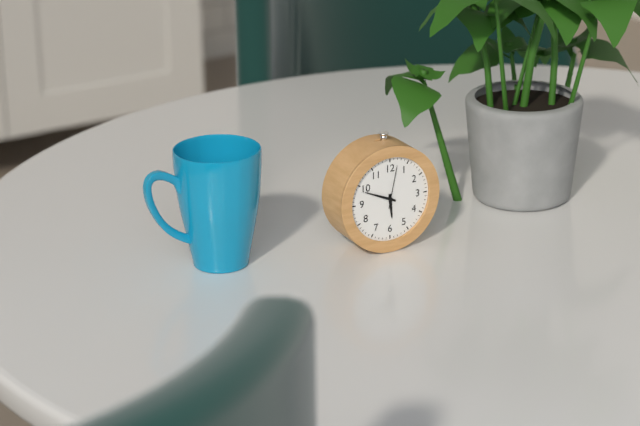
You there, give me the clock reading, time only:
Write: 5:49
